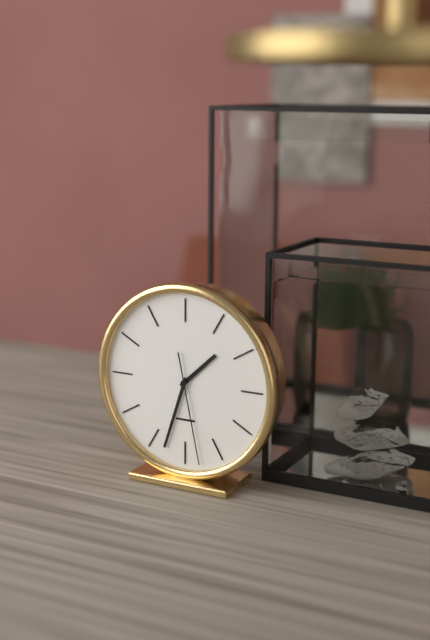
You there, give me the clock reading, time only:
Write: 1:33:28
